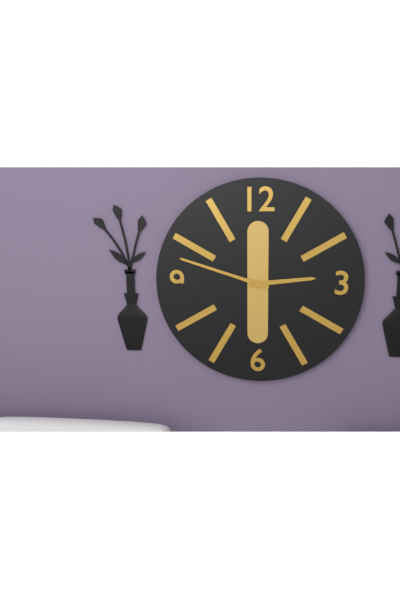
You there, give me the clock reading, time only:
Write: 2:48
